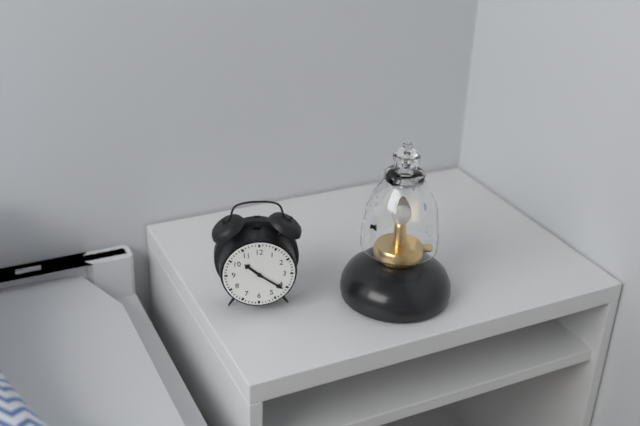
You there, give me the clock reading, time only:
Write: 10:21
